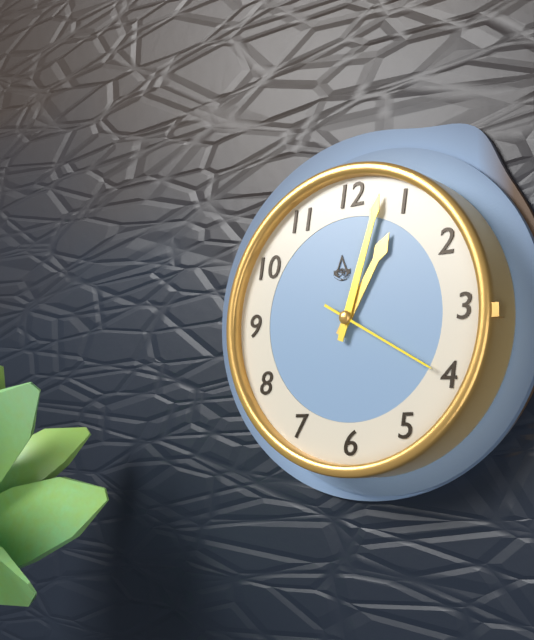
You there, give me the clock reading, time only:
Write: 1:03:20
